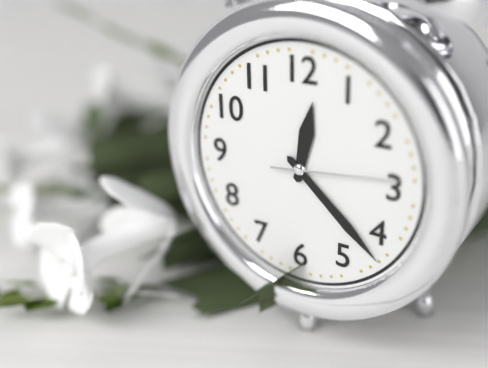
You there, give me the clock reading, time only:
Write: 12:22:14
